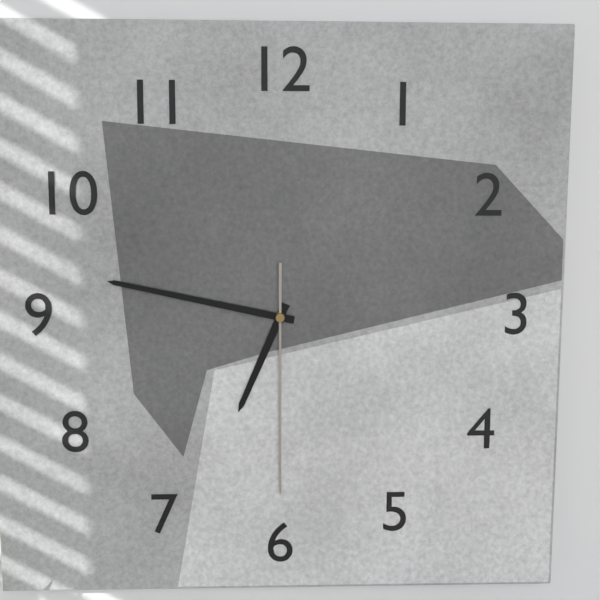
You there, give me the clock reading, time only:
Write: 6:47:30
